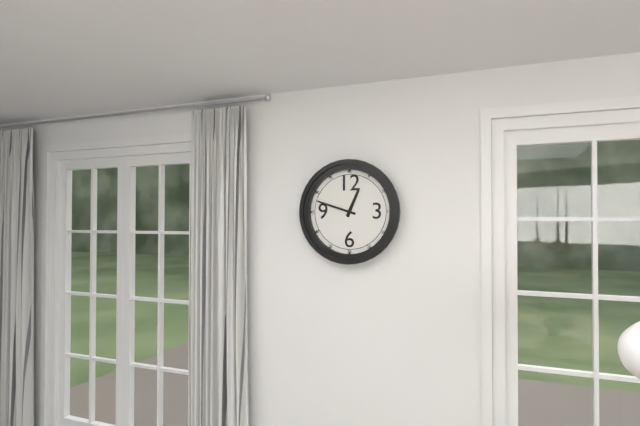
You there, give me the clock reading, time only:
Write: 12:48
